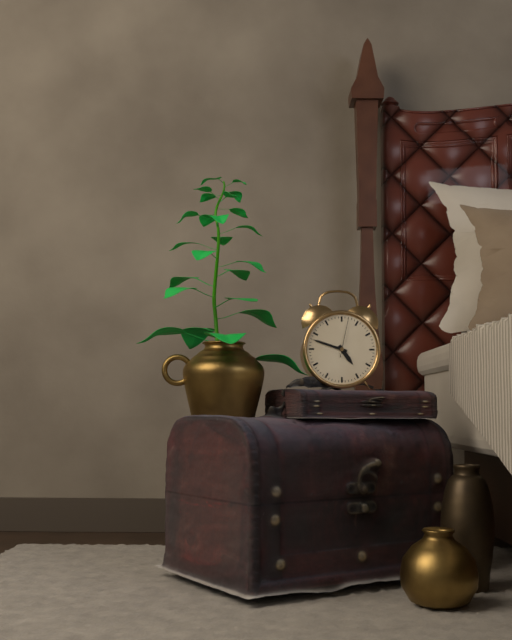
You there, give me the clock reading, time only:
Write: 4:48
